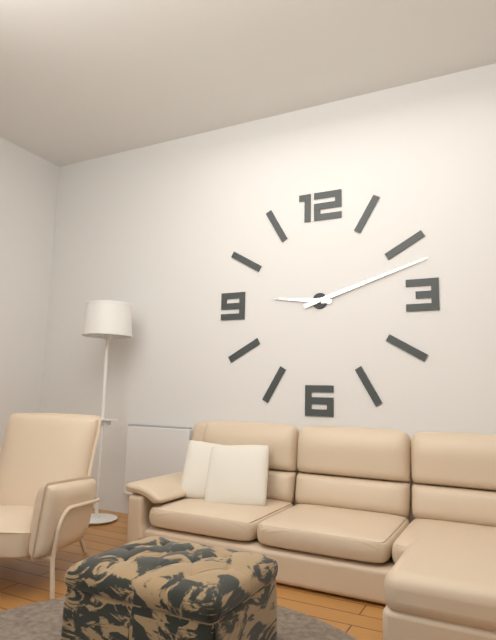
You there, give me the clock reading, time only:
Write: 9:12
